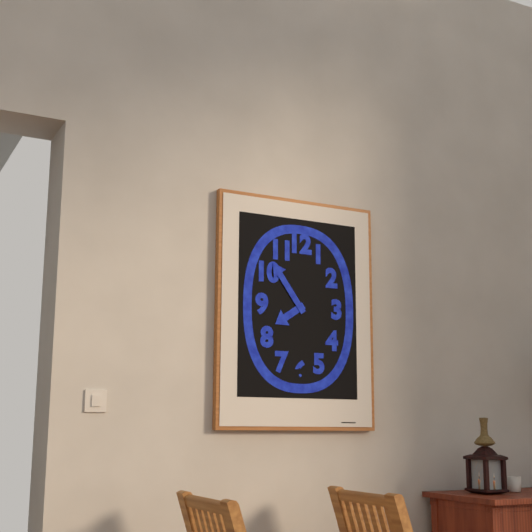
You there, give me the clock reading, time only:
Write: 7:54
